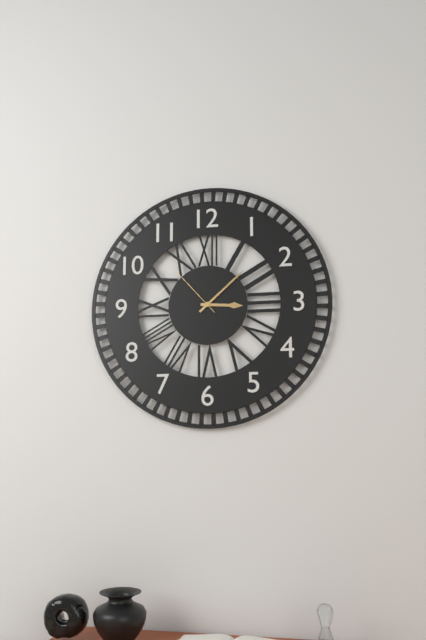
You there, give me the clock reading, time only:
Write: 3:08:53
